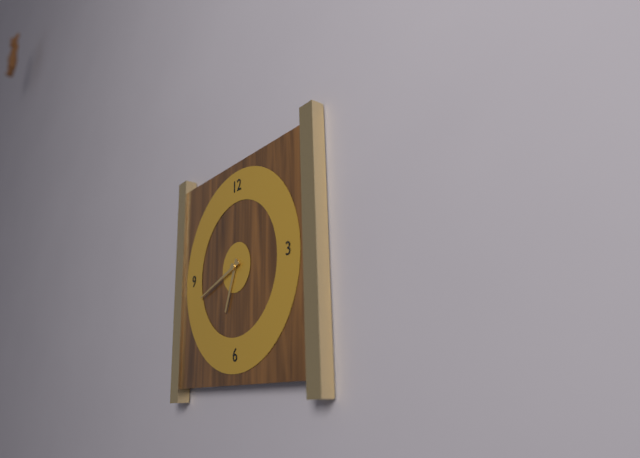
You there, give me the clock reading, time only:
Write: 6:42
